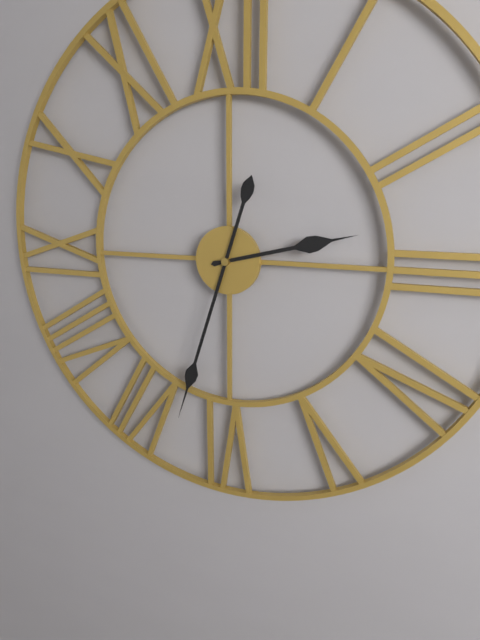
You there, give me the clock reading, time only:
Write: 2:33
